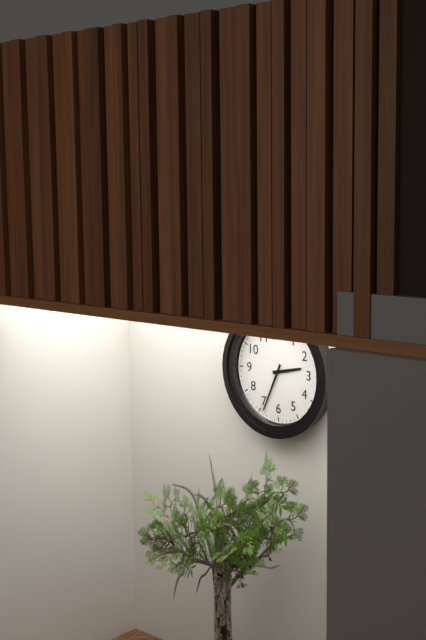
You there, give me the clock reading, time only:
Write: 2:34
